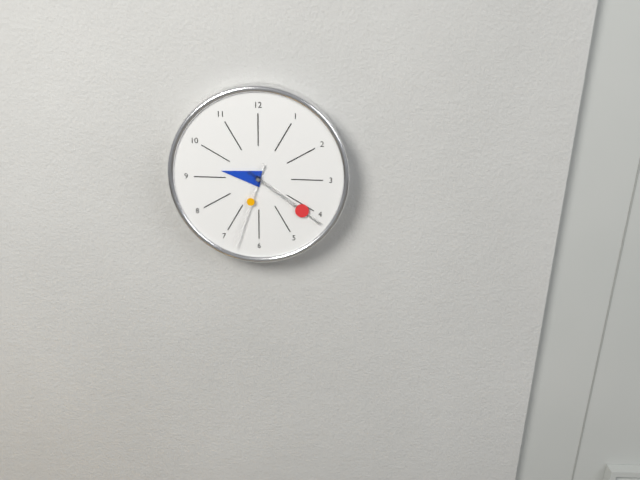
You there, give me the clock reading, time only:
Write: 9:21:33
